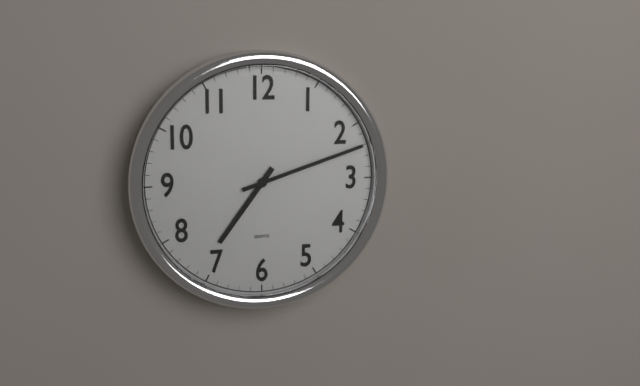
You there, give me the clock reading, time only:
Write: 7:12
